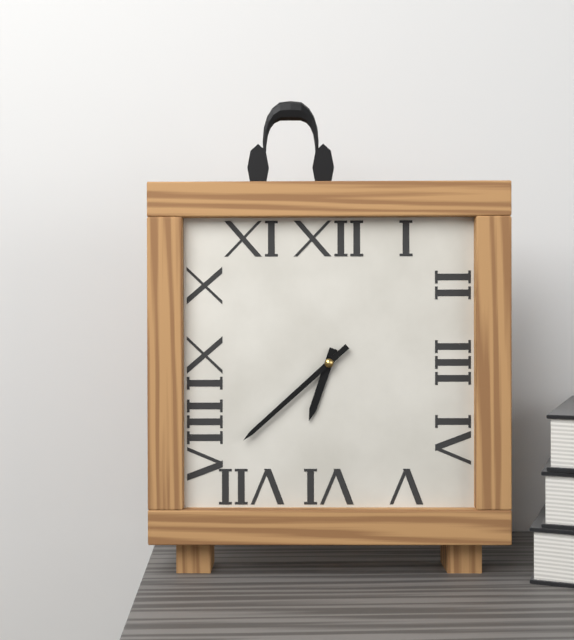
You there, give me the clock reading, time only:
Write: 6:38
